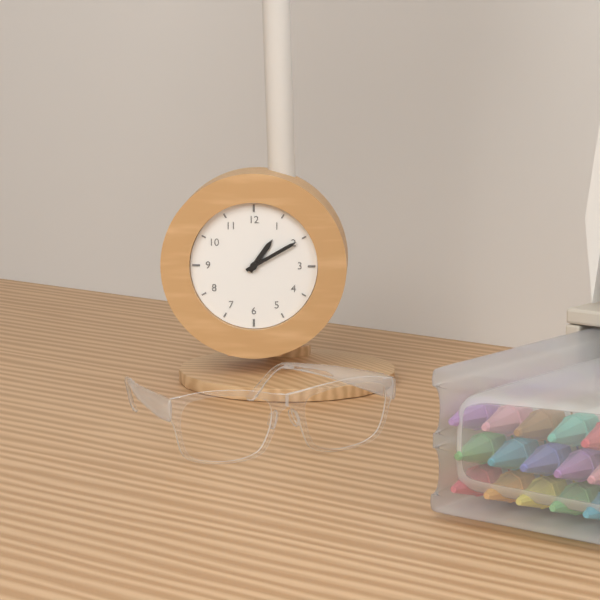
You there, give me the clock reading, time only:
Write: 1:10
